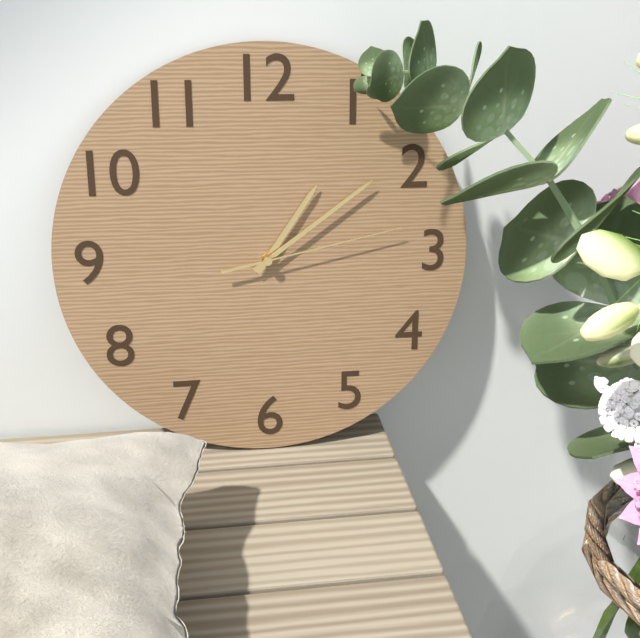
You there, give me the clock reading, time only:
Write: 1:09:13
